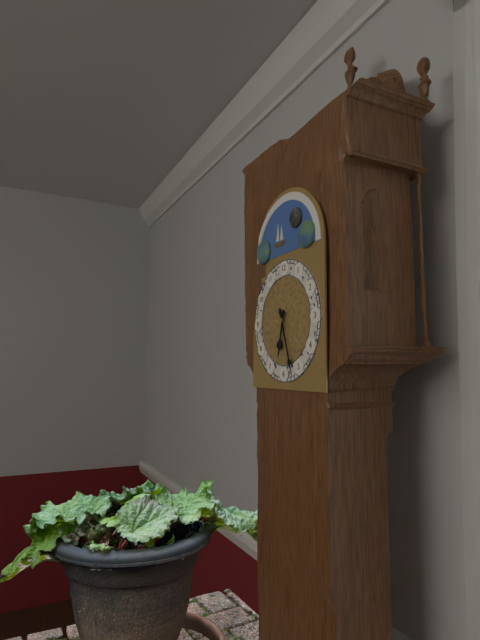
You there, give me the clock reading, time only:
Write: 6:27
